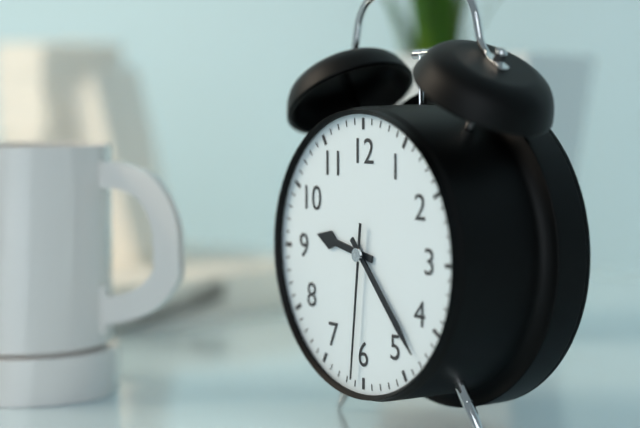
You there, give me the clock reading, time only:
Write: 9:23:31
